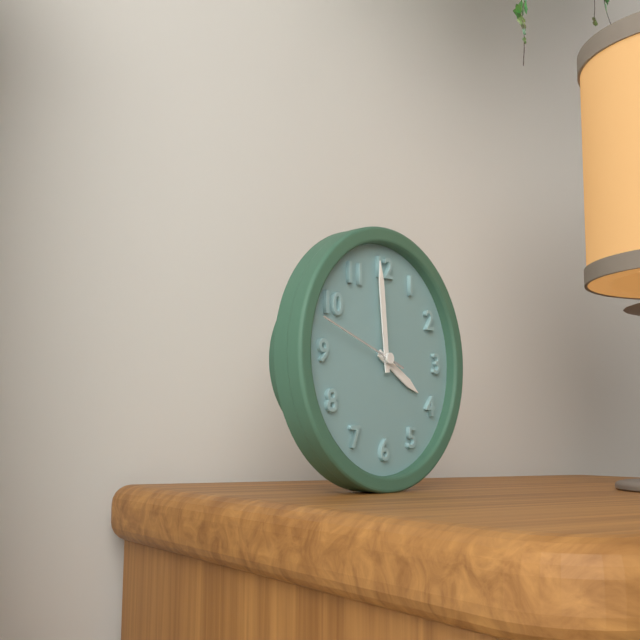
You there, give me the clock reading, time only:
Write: 3:59:48
